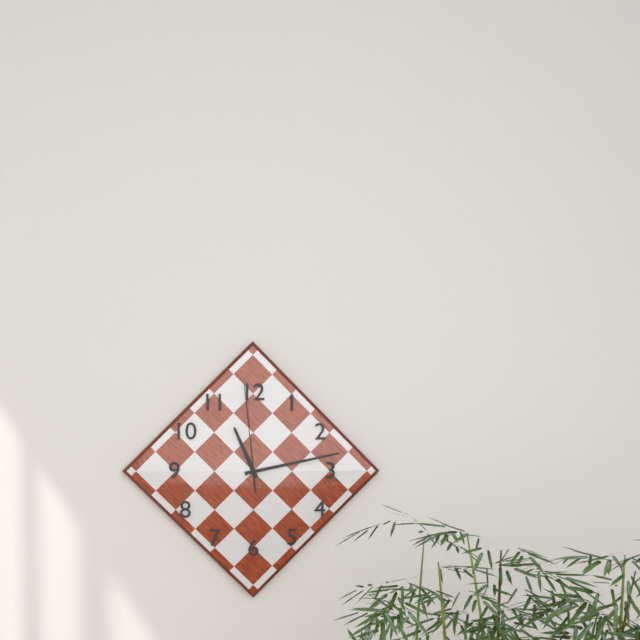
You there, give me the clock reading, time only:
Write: 11:13:59
